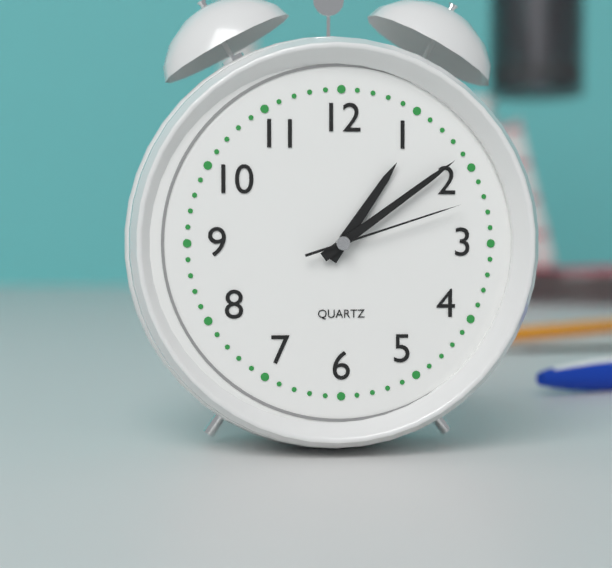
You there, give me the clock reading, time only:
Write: 1:09:12
